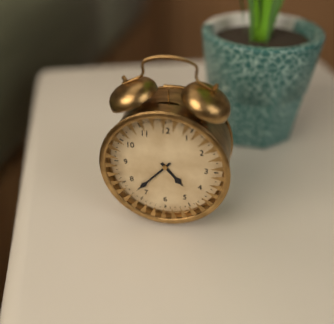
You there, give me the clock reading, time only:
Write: 4:37
